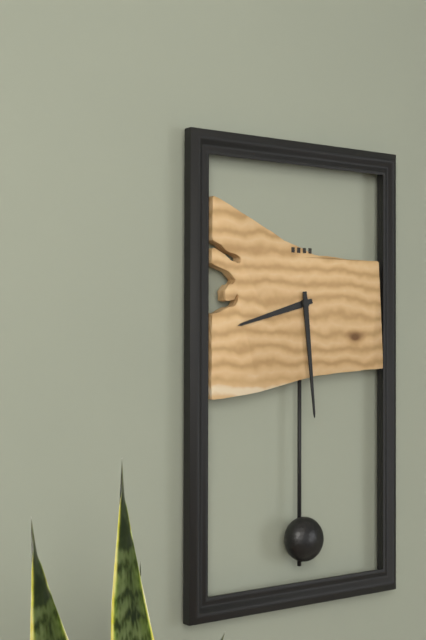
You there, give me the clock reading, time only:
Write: 8:29
